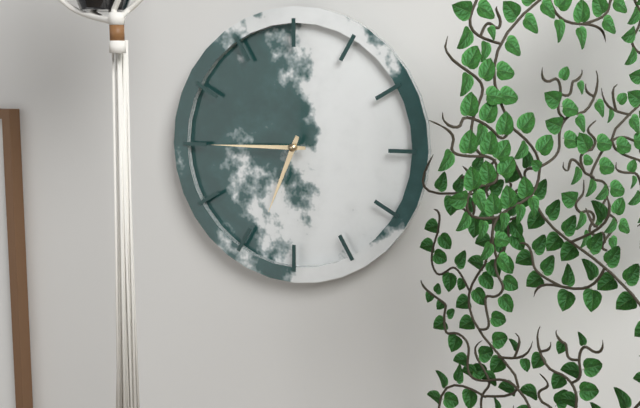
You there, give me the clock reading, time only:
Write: 6:45
